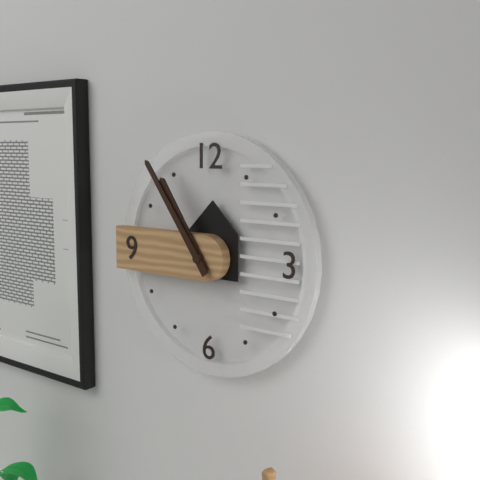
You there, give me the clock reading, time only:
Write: 10:54
